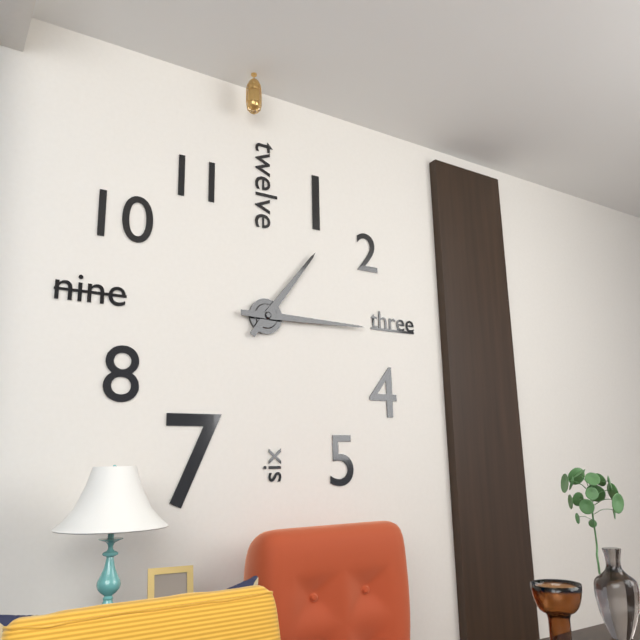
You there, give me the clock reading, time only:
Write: 1:15
